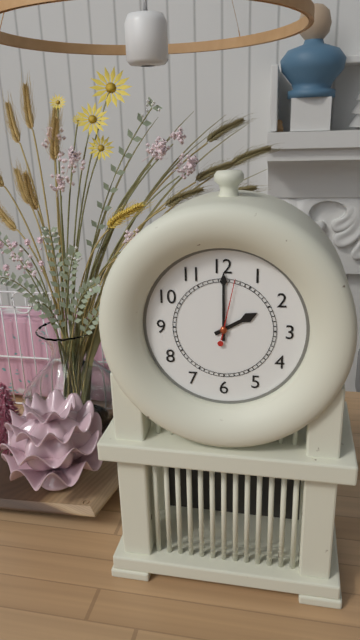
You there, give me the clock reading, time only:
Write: 2:00:02
